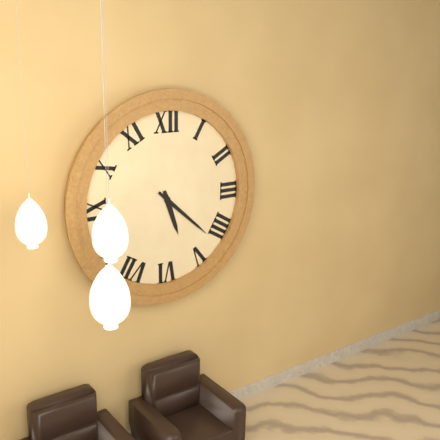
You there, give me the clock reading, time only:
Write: 5:22
